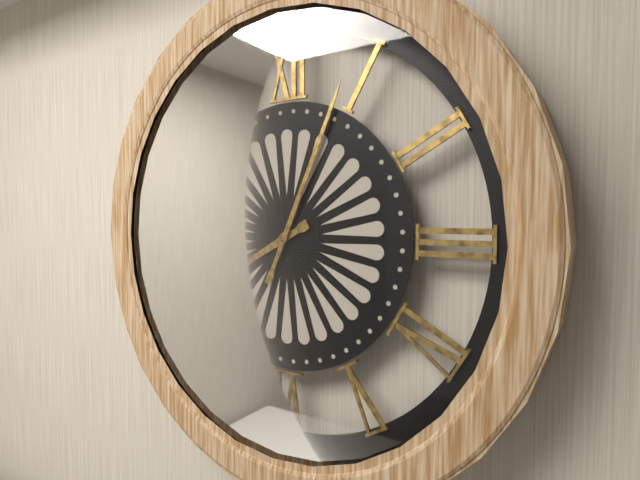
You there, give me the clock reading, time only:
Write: 8:04
